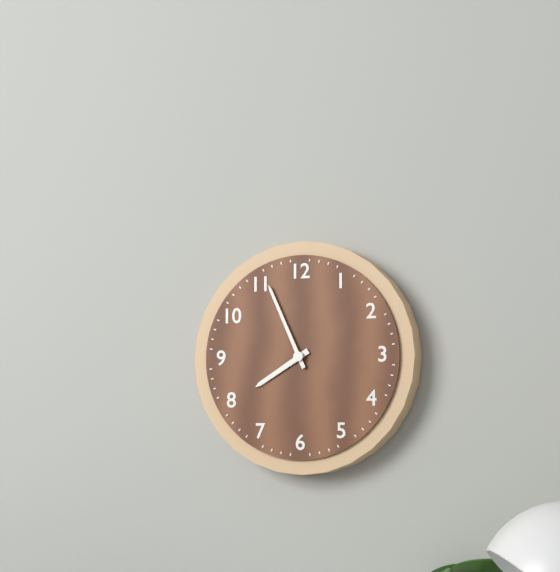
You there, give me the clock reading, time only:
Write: 7:56
